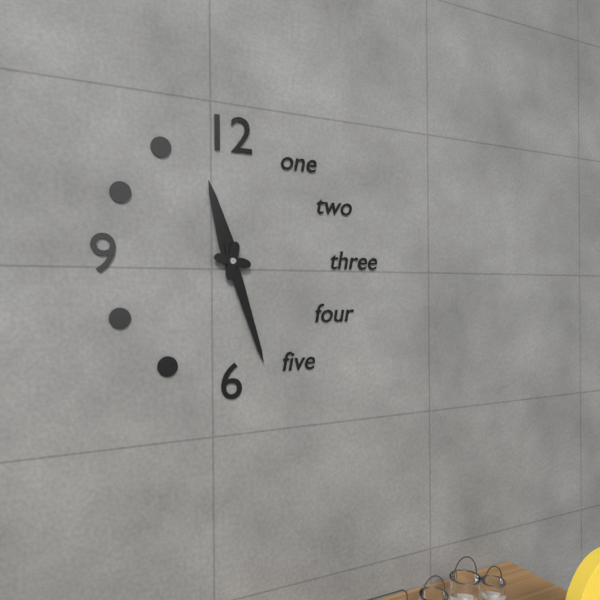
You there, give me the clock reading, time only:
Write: 11:27
